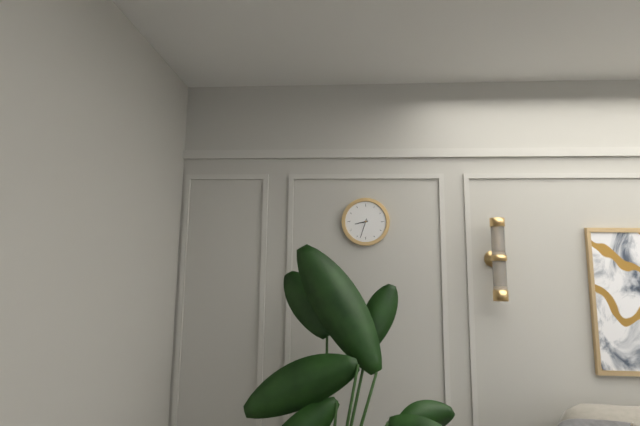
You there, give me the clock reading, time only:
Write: 8:33
